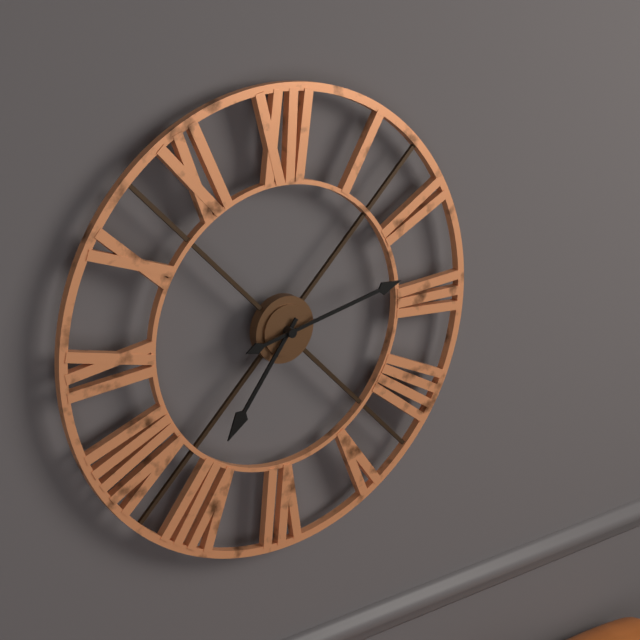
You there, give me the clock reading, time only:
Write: 7:13
